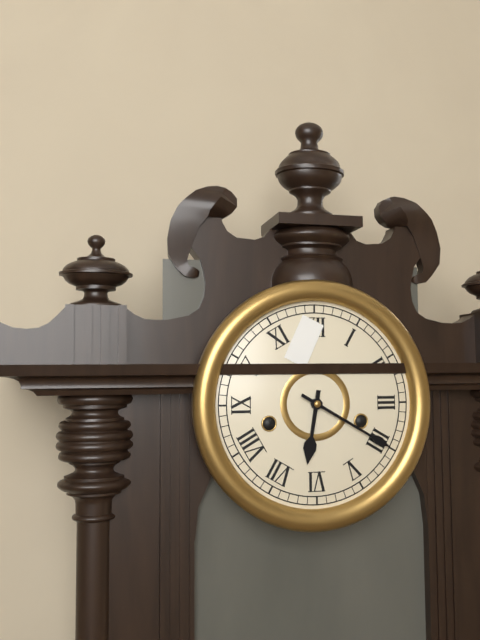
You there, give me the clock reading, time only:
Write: 6:20
